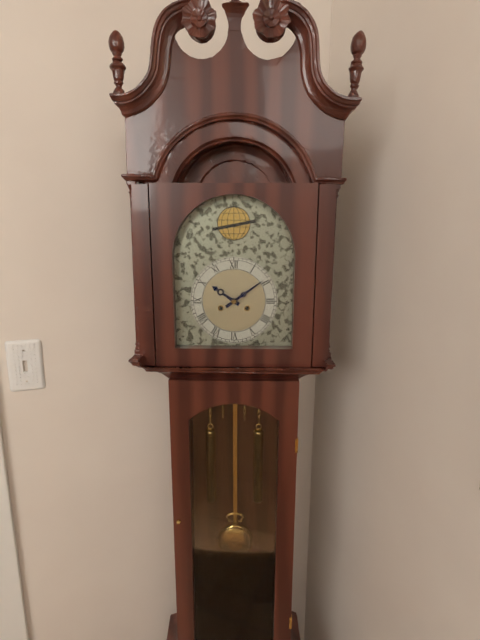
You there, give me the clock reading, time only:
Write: 10:09
